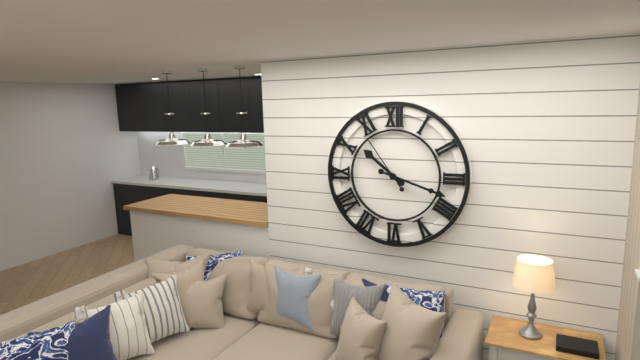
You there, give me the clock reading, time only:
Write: 10:18:54
